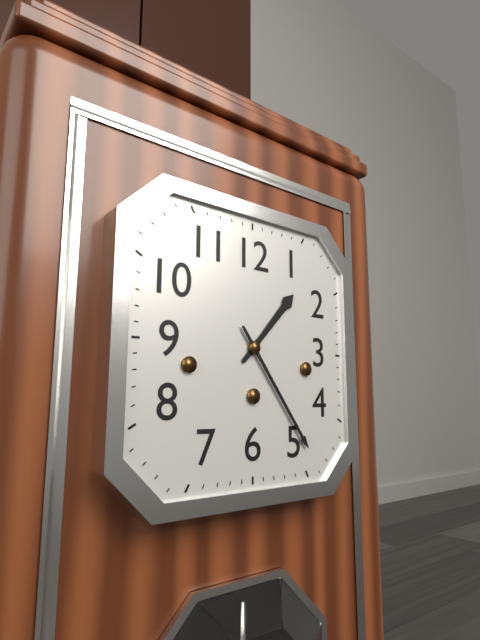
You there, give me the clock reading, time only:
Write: 1:24
